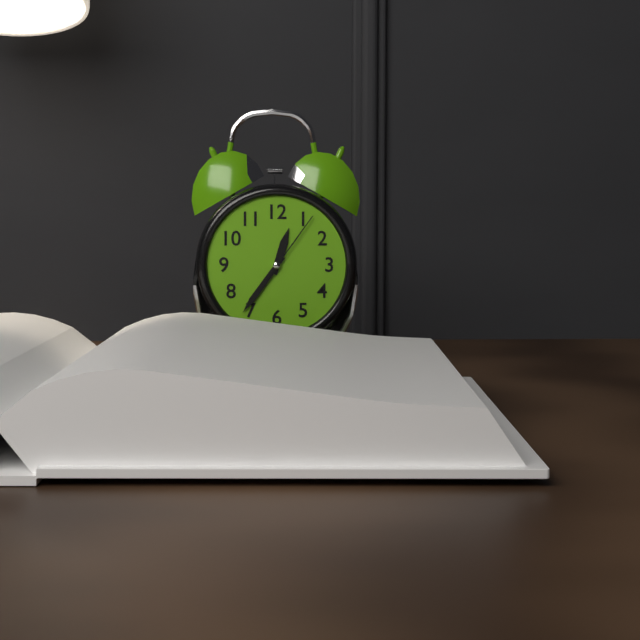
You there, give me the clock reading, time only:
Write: 12:36:06
